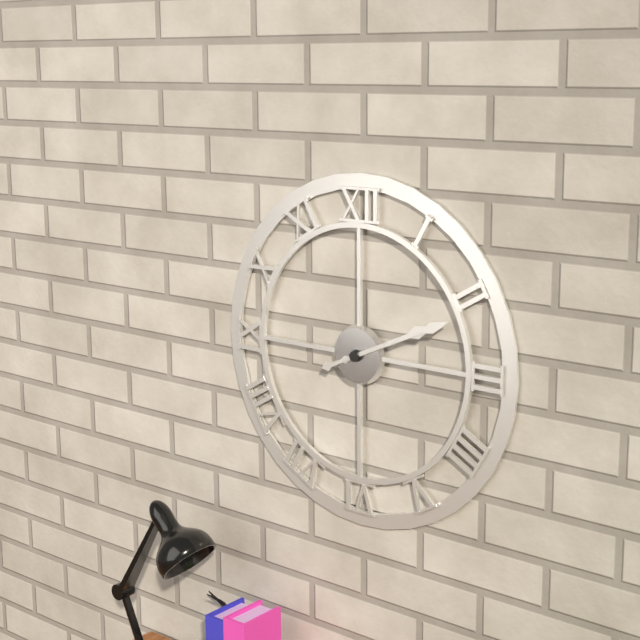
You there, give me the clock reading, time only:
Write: 2:11
